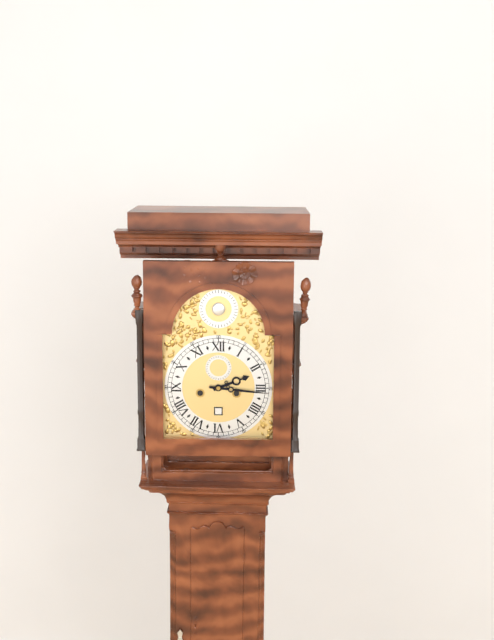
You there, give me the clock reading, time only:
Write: 2:16
